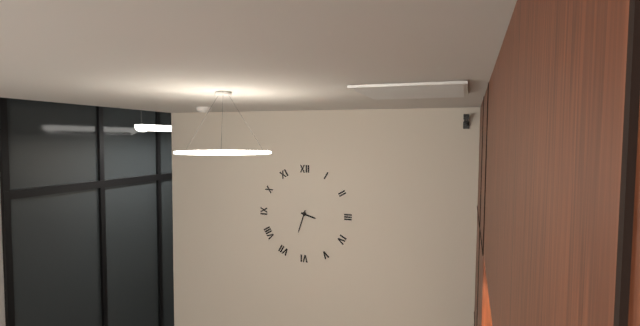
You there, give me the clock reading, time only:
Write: 3:33
